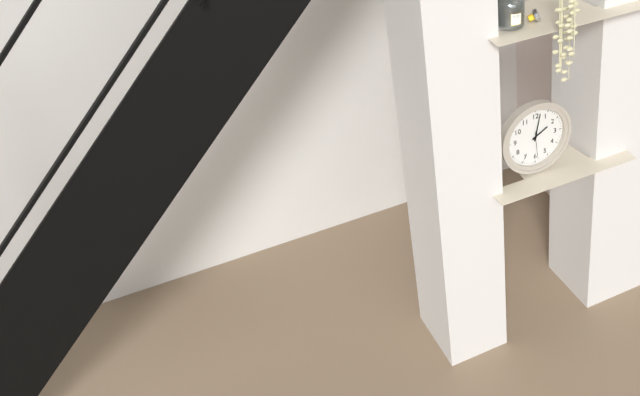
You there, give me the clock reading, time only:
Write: 2:02
